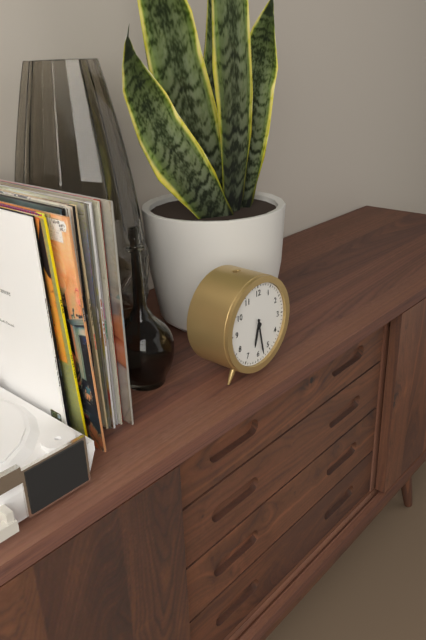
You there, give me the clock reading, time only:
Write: 6:28
